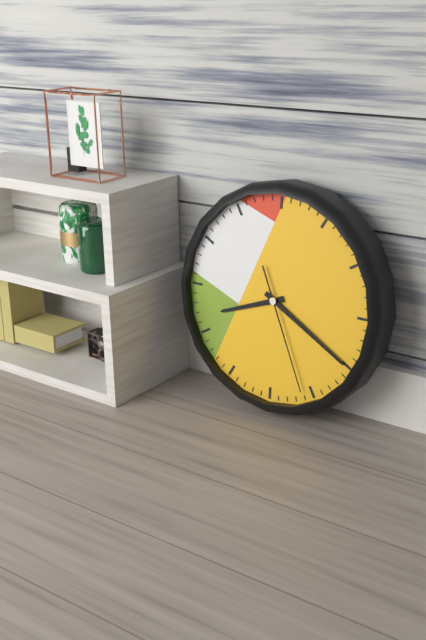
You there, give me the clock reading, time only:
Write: 8:20:26
